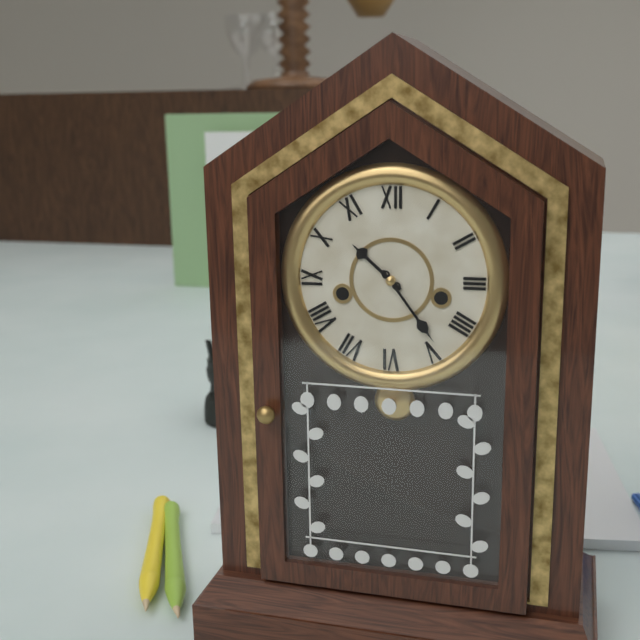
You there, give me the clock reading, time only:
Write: 10:24
